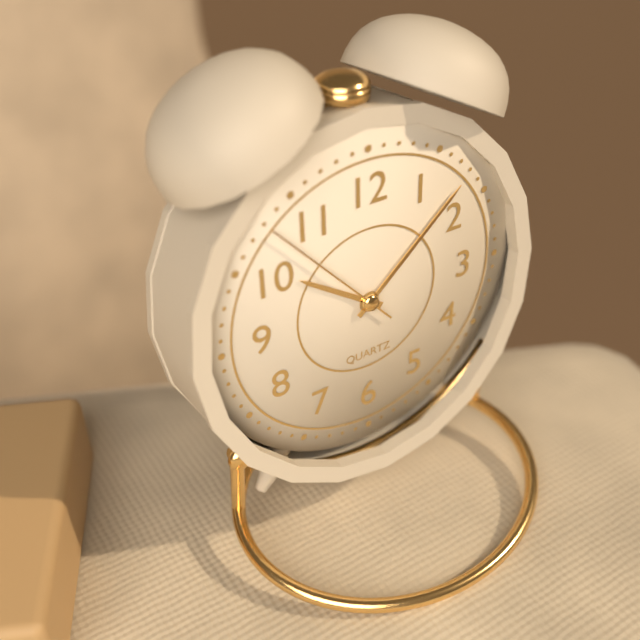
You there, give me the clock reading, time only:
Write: 10:08:53
